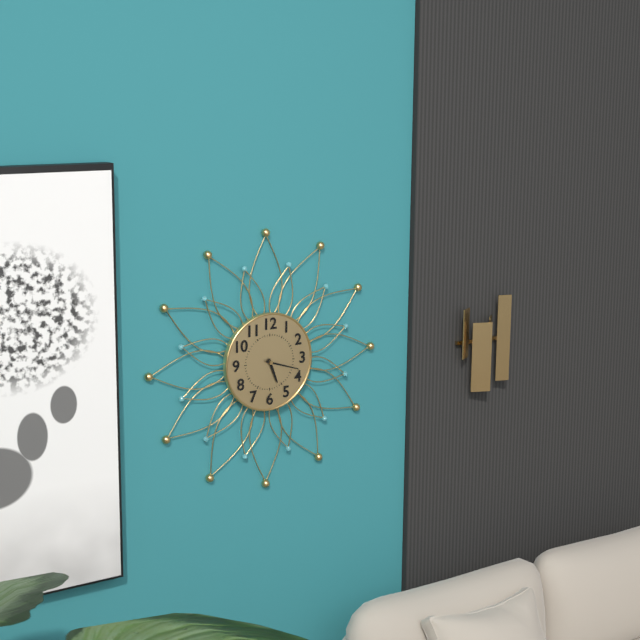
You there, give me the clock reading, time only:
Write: 5:18
